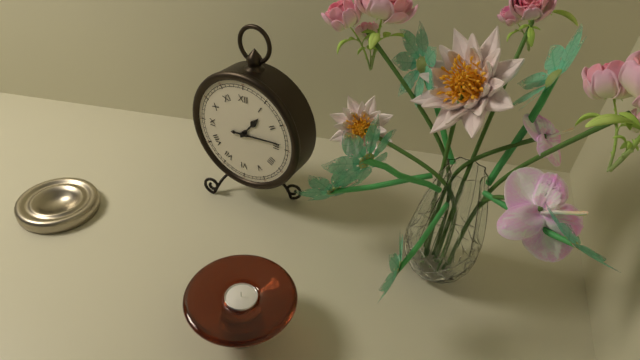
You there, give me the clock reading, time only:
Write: 1:14
